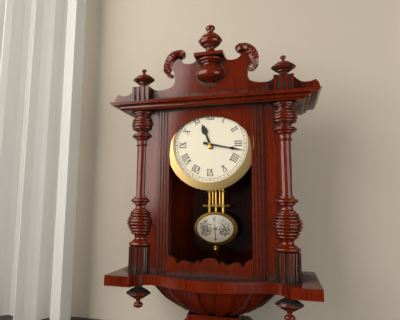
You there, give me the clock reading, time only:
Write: 11:17
